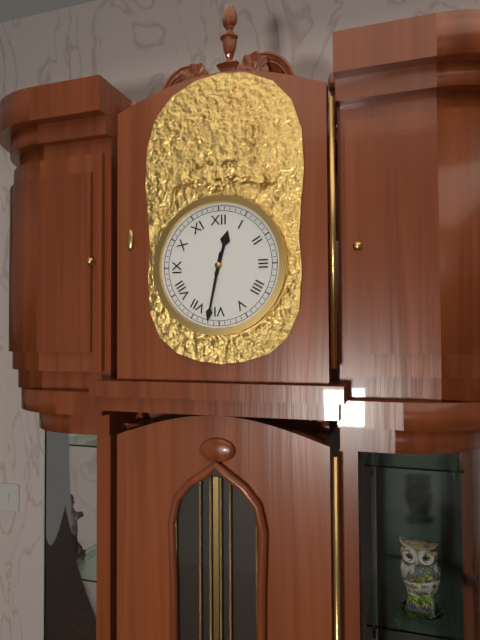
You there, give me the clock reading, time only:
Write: 12:32
